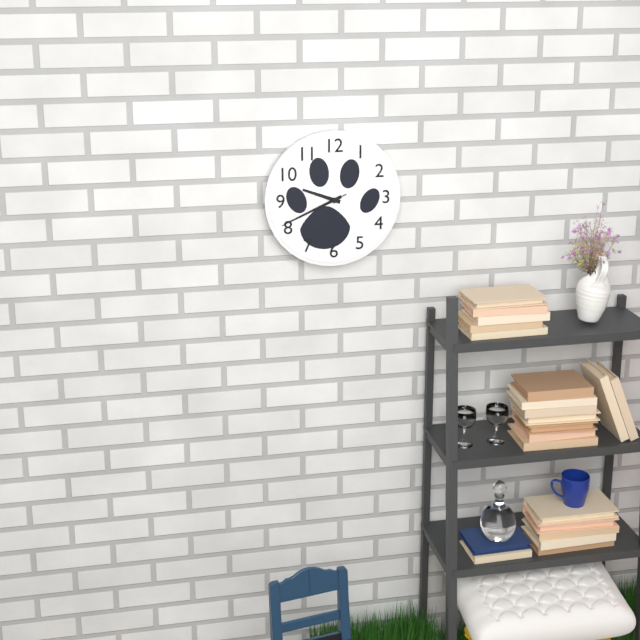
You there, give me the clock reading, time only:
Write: 9:41:41
